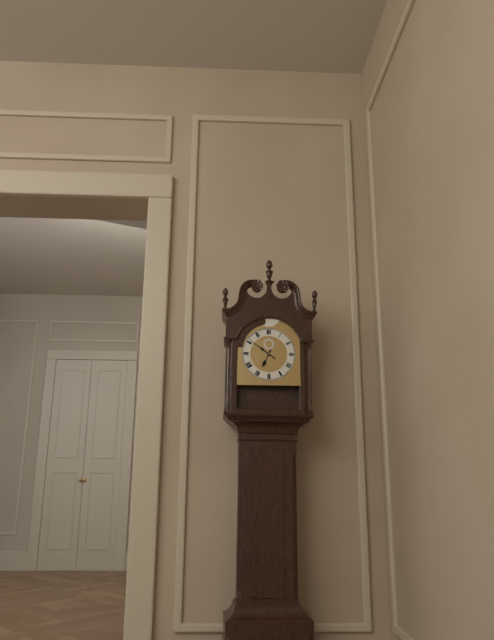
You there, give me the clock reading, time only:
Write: 6:51
